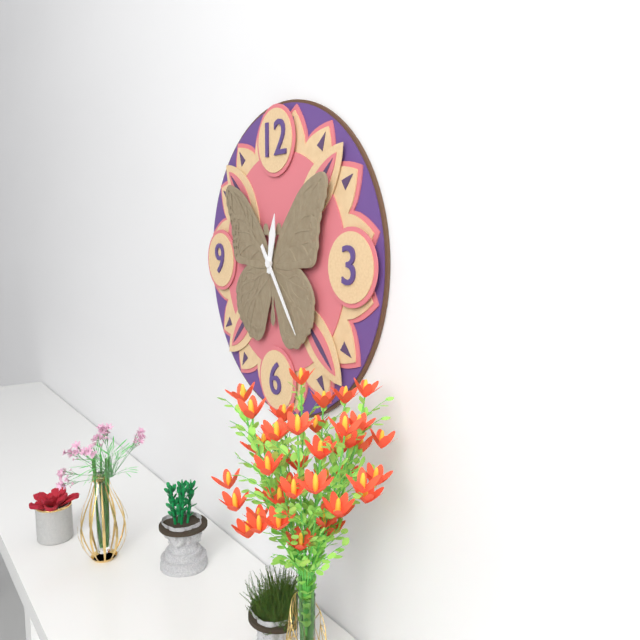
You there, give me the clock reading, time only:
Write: 12:24
